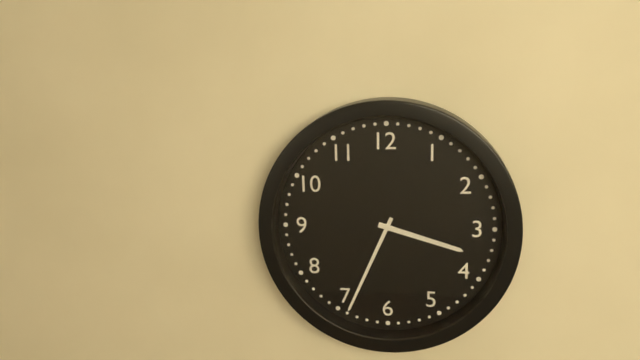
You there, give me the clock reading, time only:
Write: 3:34
